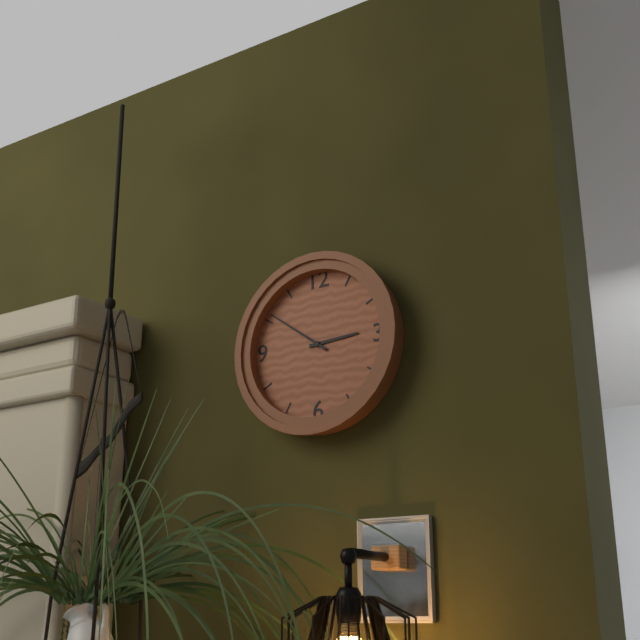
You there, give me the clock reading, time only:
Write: 2:51
